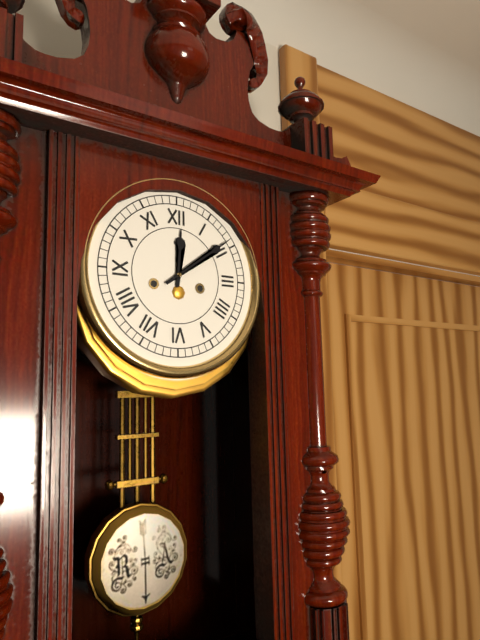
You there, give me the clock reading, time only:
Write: 12:09
